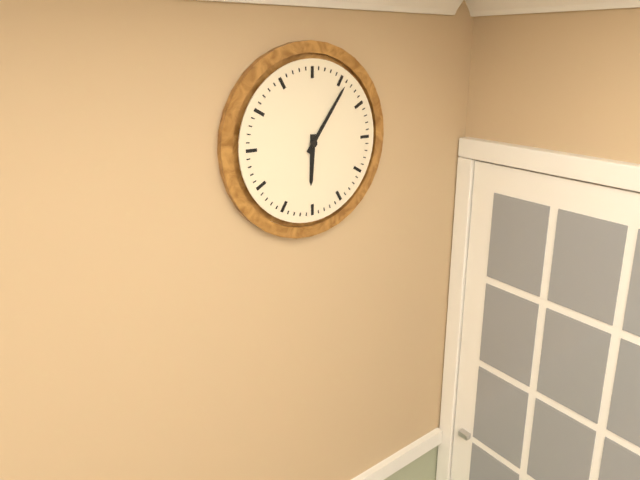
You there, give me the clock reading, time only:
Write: 6:06
